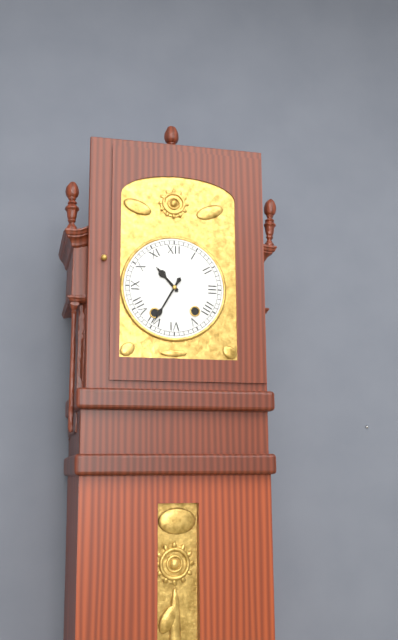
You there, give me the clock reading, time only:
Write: 10:35
